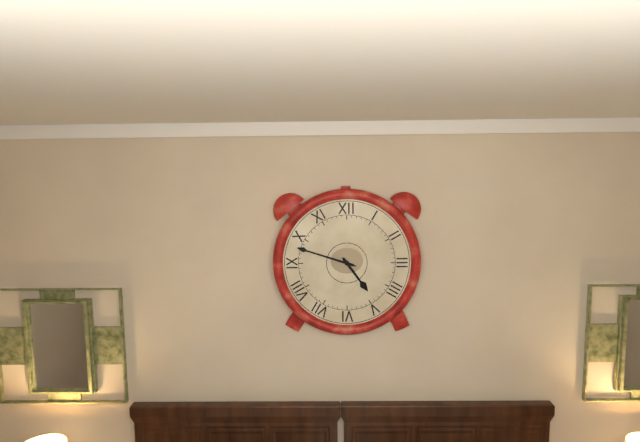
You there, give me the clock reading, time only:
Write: 4:48
